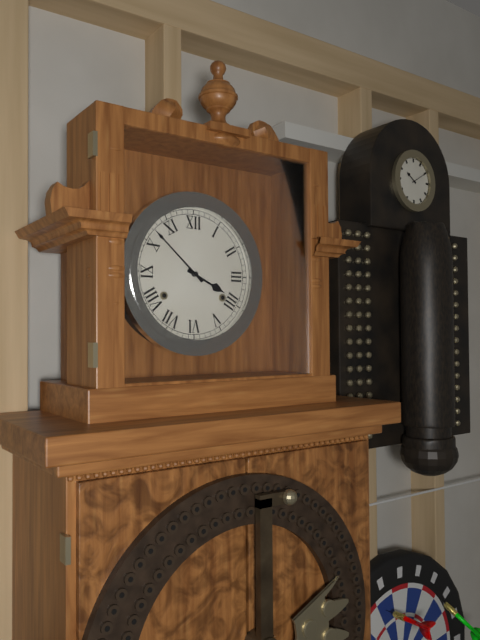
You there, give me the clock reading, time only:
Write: 3:52
